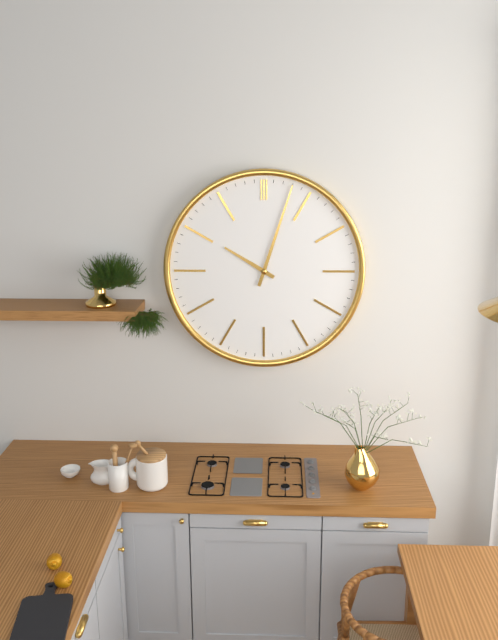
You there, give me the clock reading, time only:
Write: 10:03
